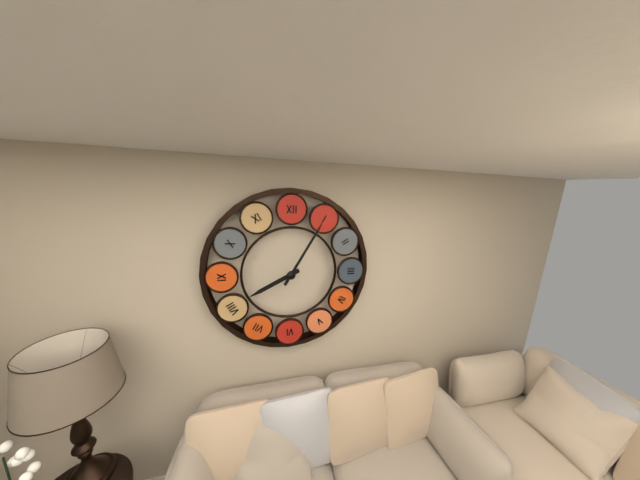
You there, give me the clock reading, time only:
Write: 8:05
